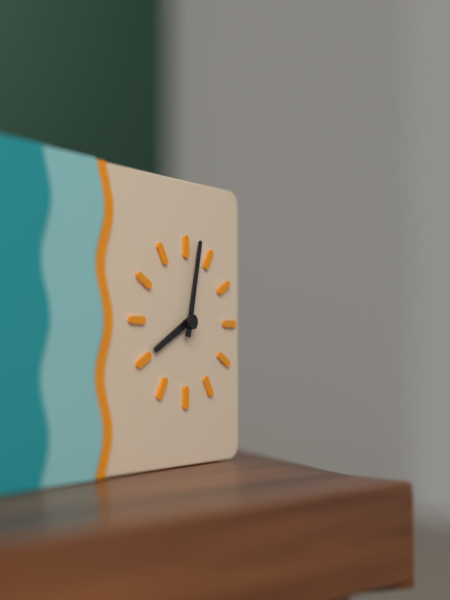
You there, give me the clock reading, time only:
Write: 8:02
